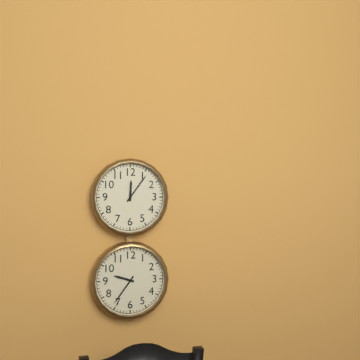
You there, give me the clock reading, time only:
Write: 12:06
